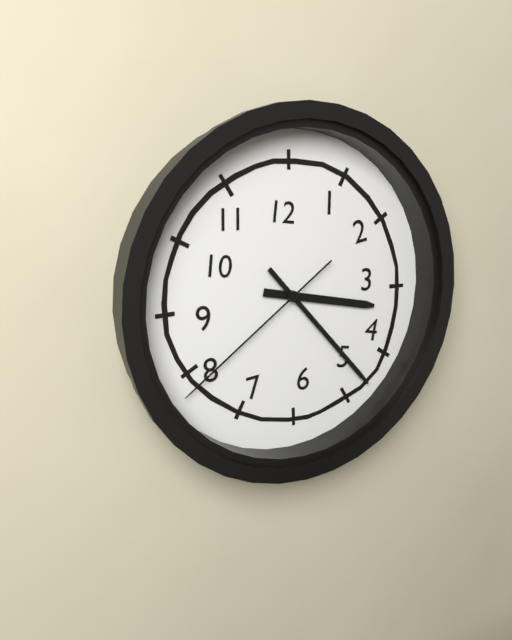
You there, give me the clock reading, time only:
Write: 3:23:39
